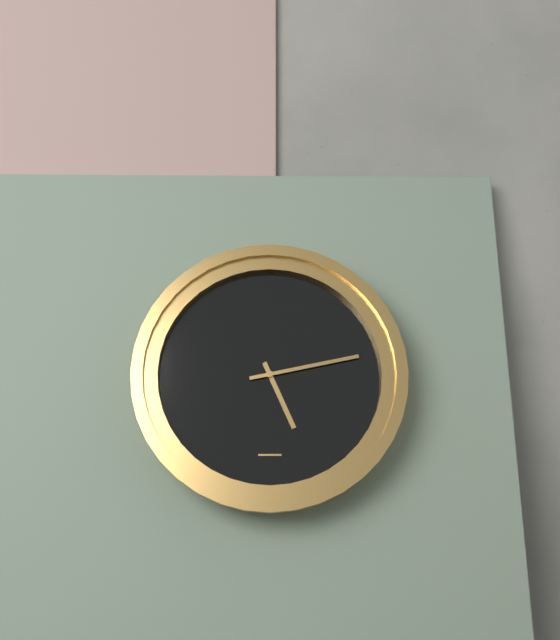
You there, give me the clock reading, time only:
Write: 5:13
